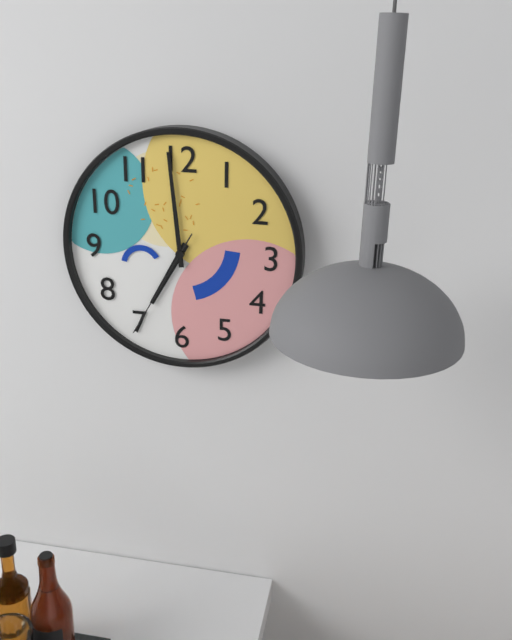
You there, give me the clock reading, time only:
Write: 6:59:35
